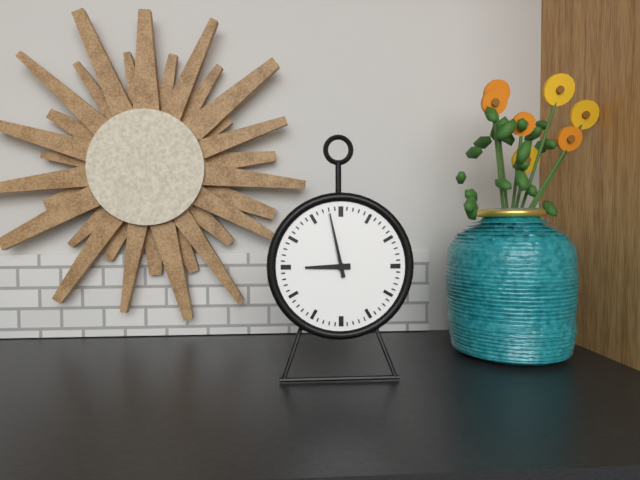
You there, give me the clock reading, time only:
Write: 8:58
